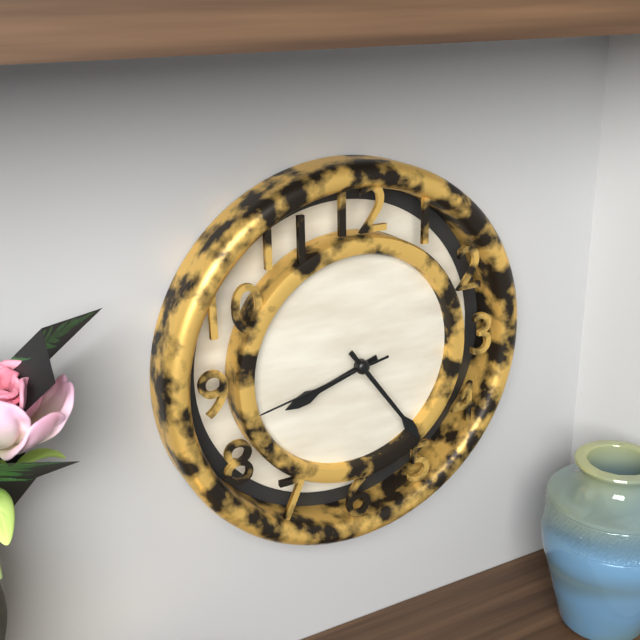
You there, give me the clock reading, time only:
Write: 8:24:43
